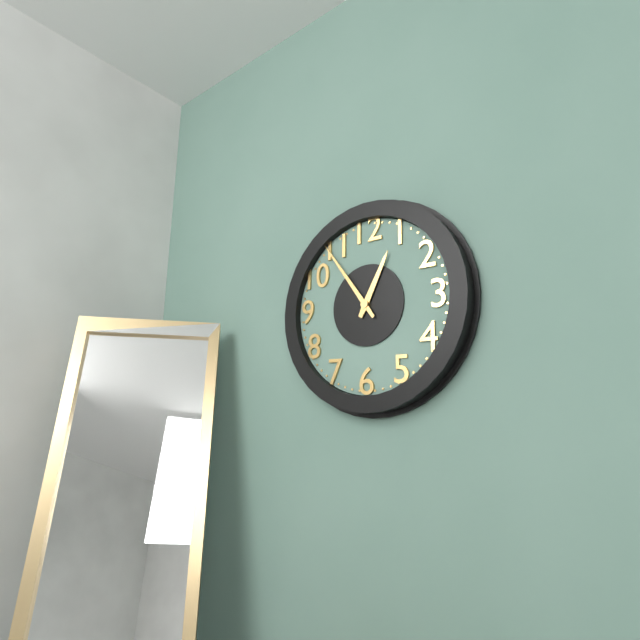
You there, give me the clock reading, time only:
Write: 12:54
